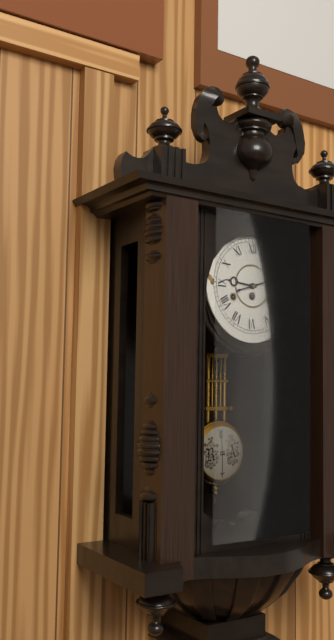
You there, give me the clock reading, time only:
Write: 9:12
